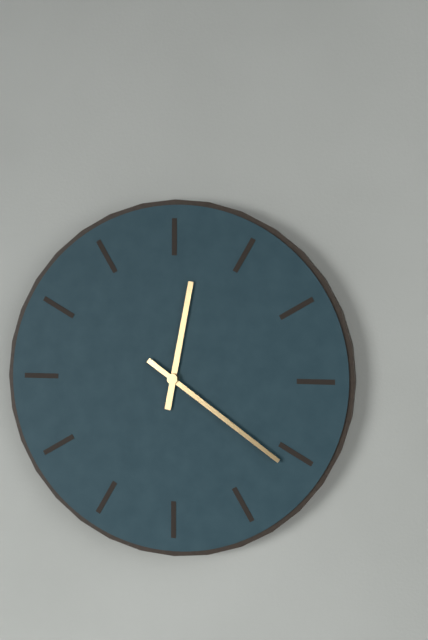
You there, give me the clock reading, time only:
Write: 12:21
